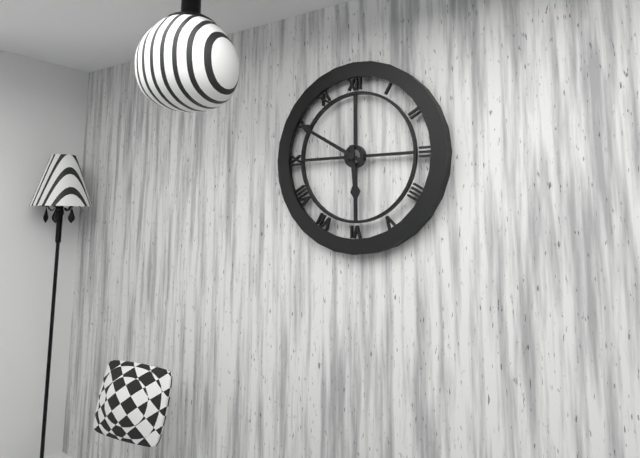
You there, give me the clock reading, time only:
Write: 5:50
